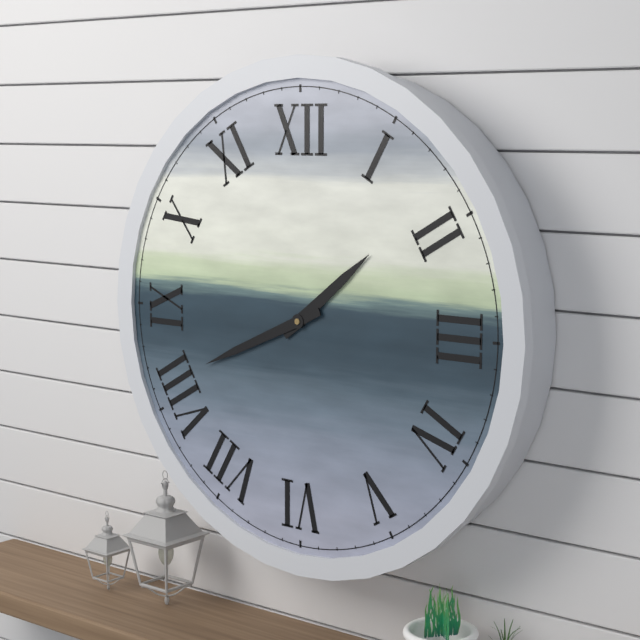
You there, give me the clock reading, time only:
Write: 1:41
